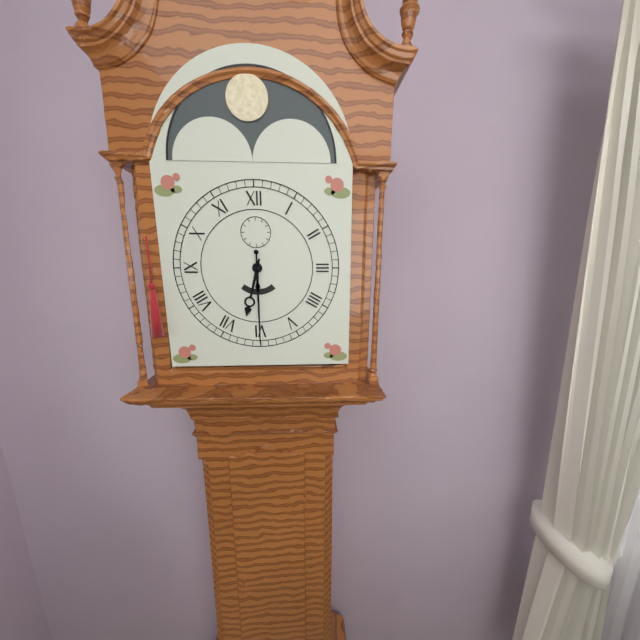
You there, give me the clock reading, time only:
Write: 6:30
